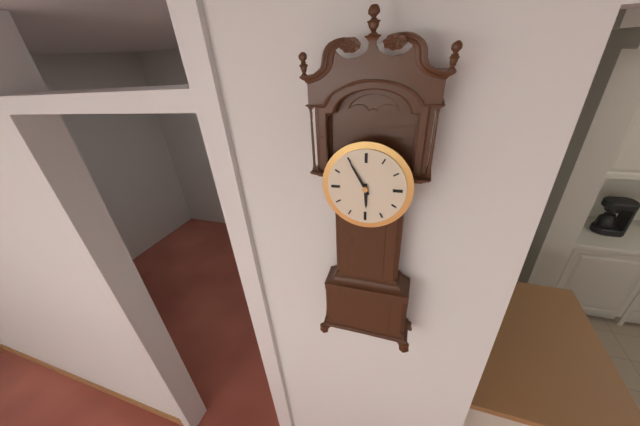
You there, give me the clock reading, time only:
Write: 5:55
